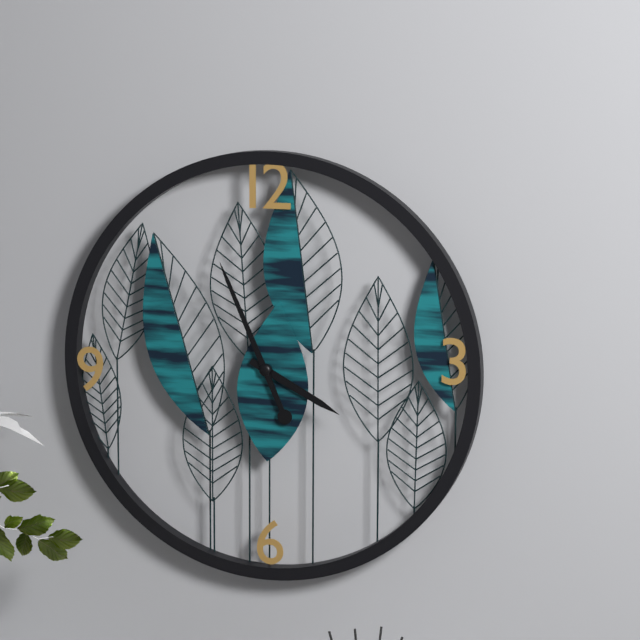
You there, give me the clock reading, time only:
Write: 3:56
